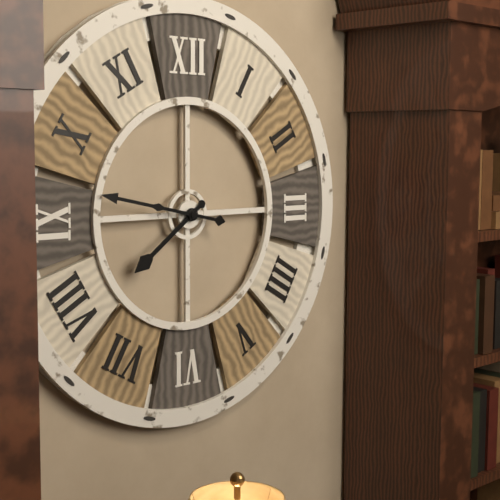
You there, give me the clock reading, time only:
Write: 7:47
